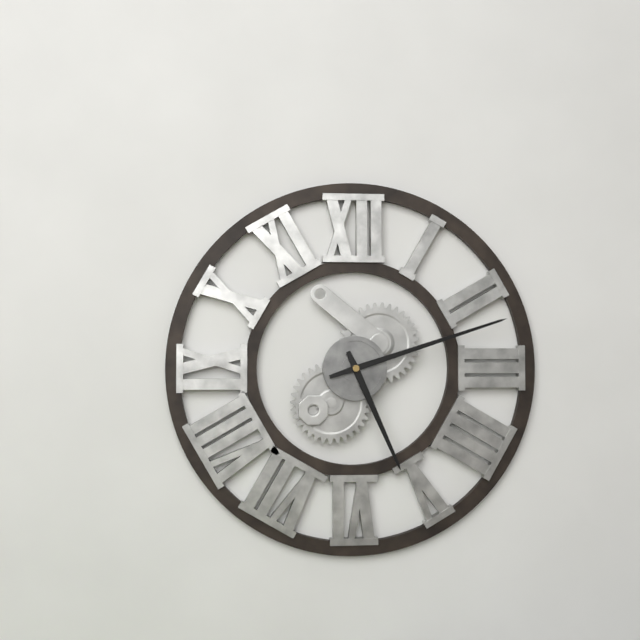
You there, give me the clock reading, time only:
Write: 5:12
